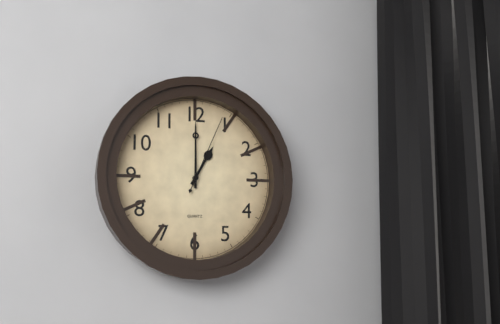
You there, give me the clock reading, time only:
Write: 1:00:04
